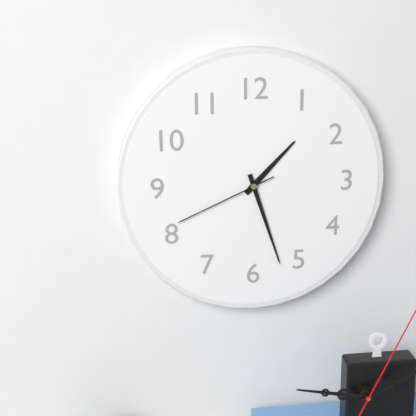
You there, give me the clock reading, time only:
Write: 1:27:41
